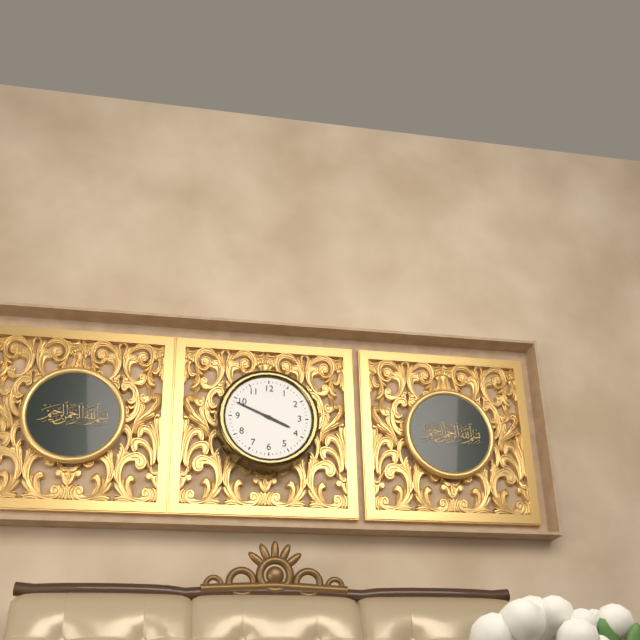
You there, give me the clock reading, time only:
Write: 3:49
